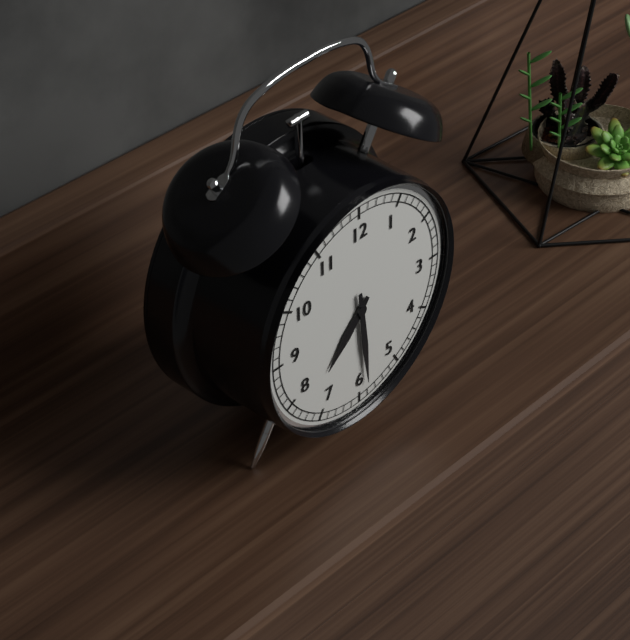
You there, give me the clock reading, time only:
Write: 7:29
